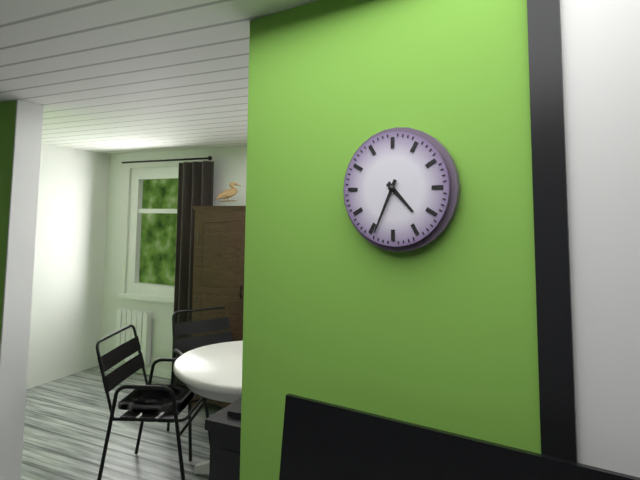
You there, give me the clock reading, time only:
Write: 4:34
